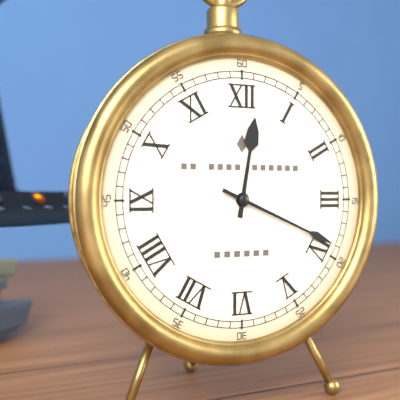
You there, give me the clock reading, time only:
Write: 12:19
